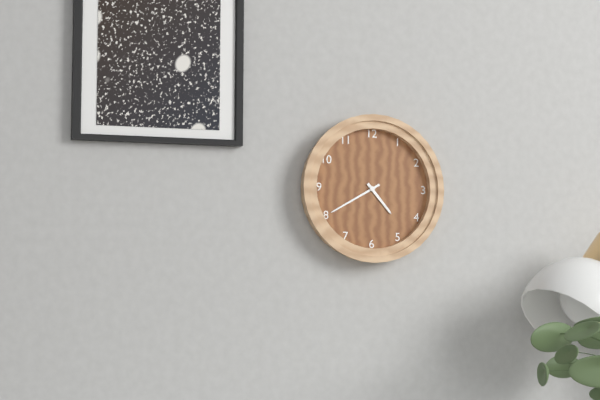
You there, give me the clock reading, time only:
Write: 4:40
